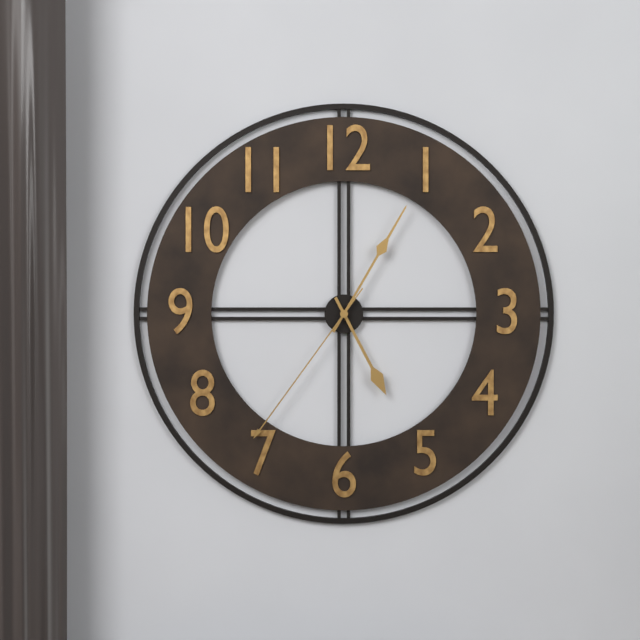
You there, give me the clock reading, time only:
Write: 5:05:36
